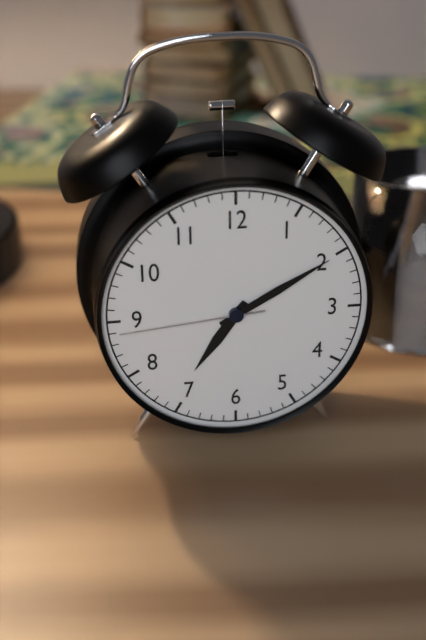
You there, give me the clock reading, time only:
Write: 7:10:44
